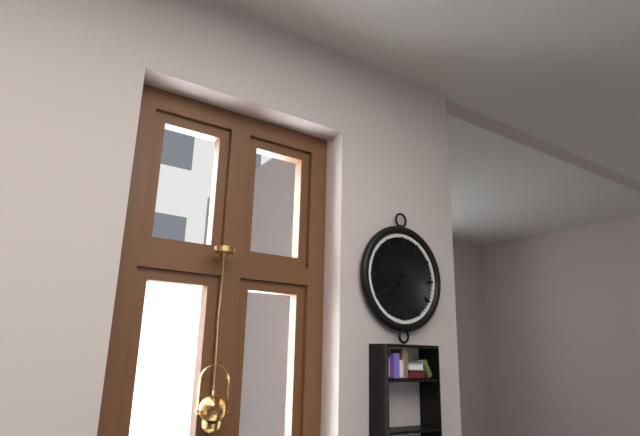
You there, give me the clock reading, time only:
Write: 6:40
